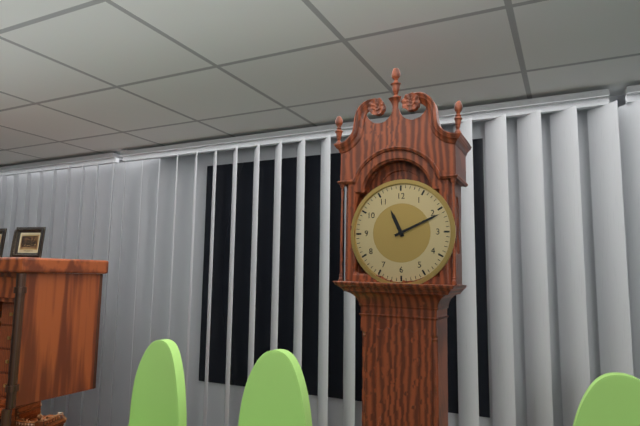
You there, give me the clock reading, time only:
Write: 11:11
